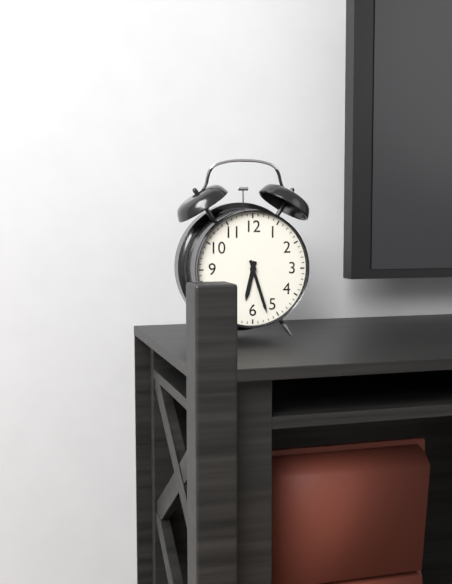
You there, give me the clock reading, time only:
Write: 6:27
